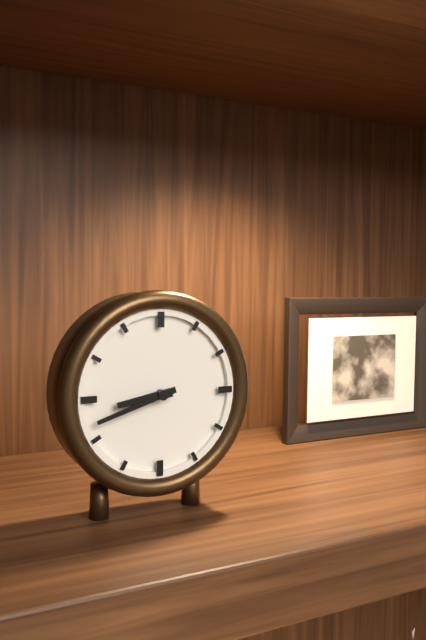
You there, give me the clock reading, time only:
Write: 8:42
